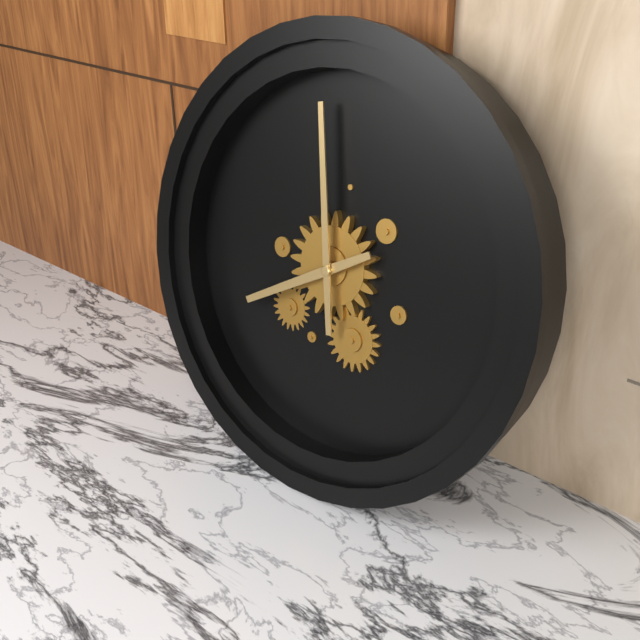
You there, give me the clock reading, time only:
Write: 7:58
